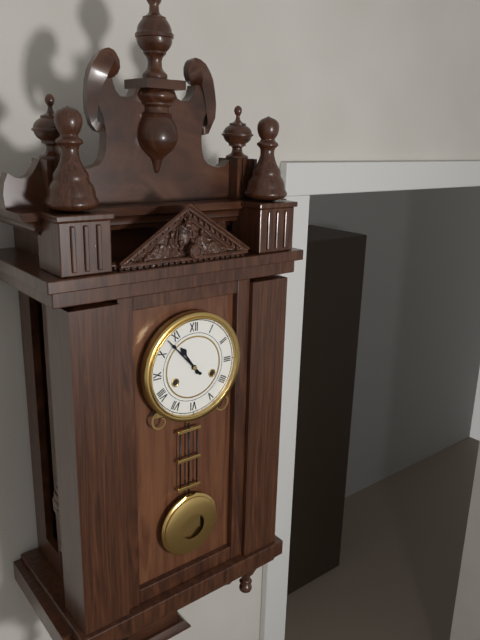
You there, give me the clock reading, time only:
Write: 10:53
